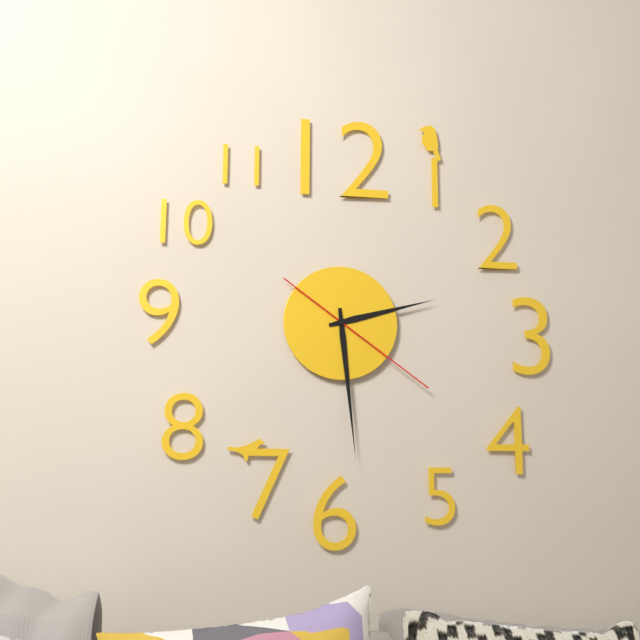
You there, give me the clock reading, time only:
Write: 2:29:21
